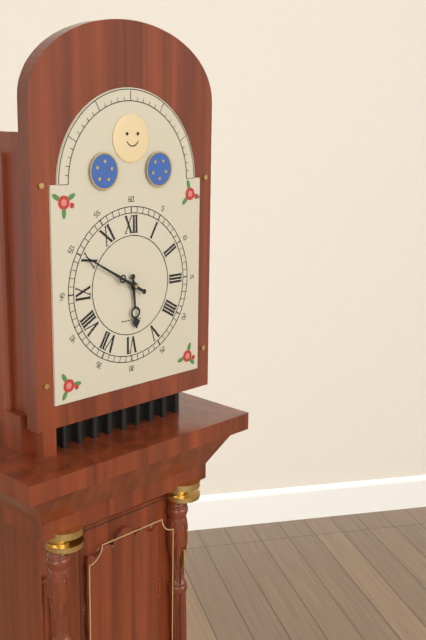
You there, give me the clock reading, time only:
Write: 5:50
